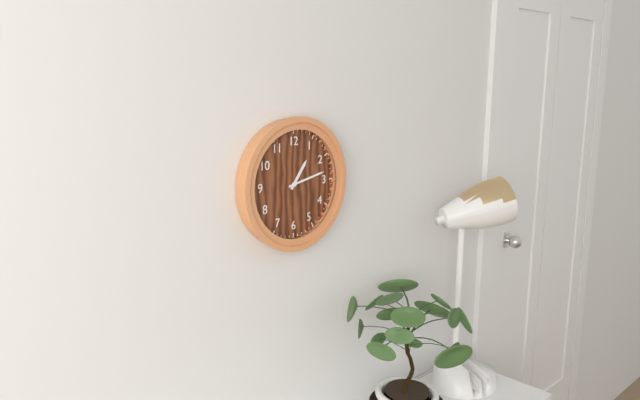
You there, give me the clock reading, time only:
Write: 1:13
